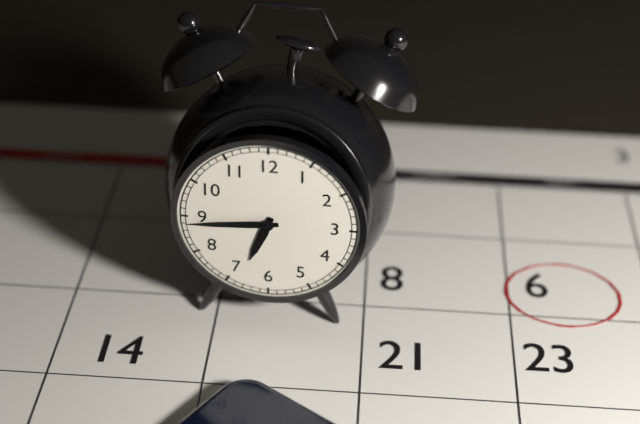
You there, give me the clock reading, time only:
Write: 6:44
